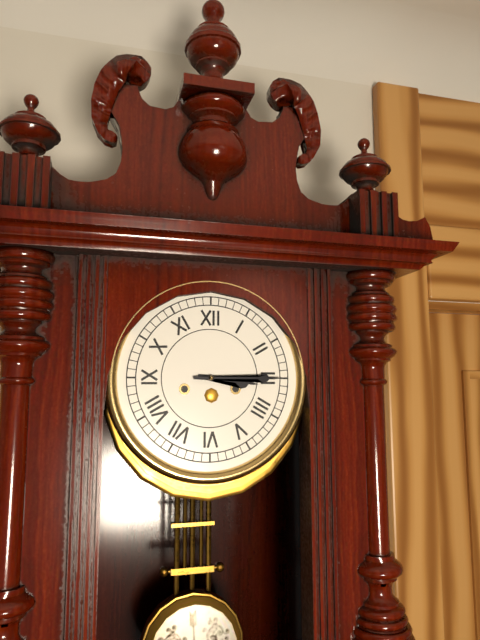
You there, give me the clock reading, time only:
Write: 3:15
